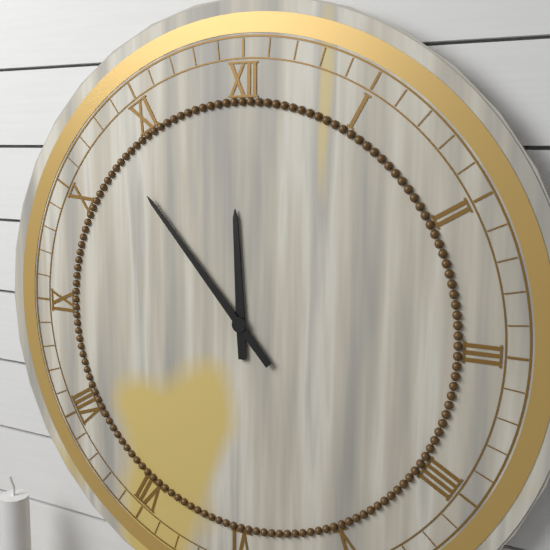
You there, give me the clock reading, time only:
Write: 11:53
